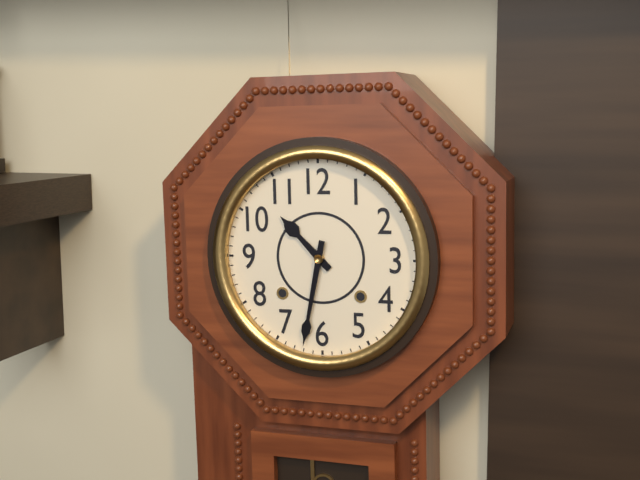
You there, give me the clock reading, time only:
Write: 10:32
